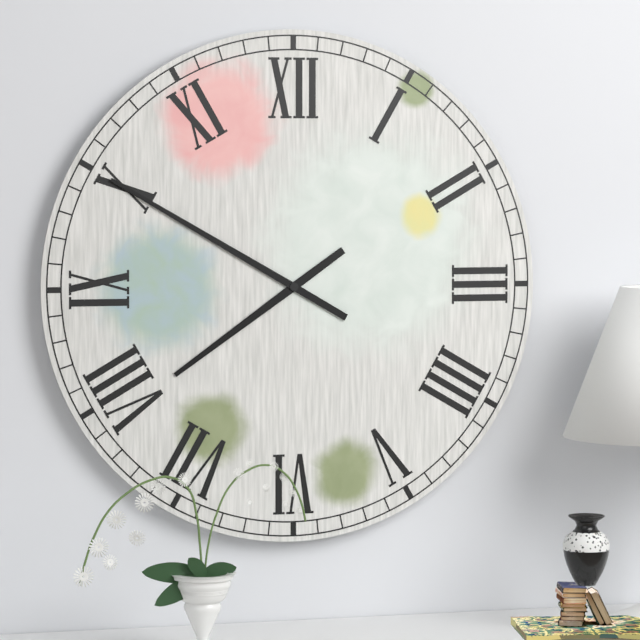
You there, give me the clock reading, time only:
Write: 7:50
